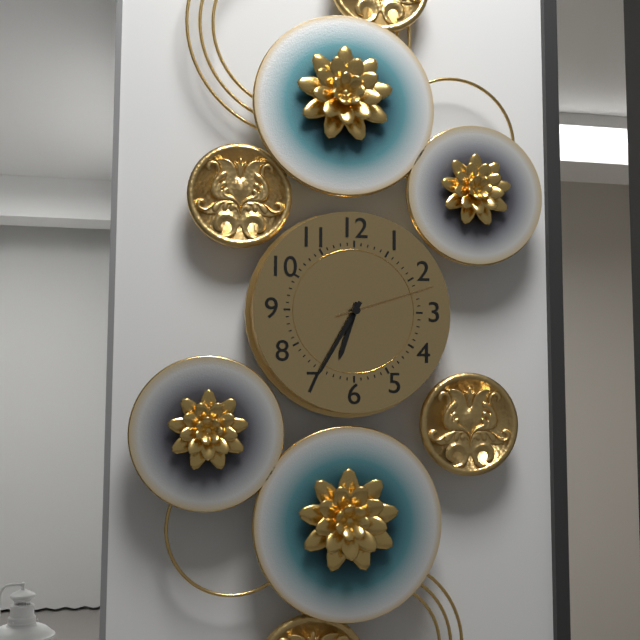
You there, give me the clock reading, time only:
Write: 6:35:12
